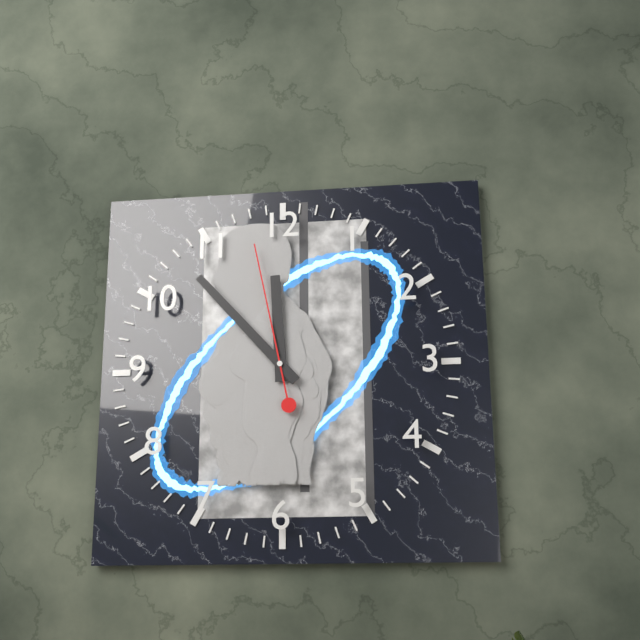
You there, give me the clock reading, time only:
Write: 11:53:58
